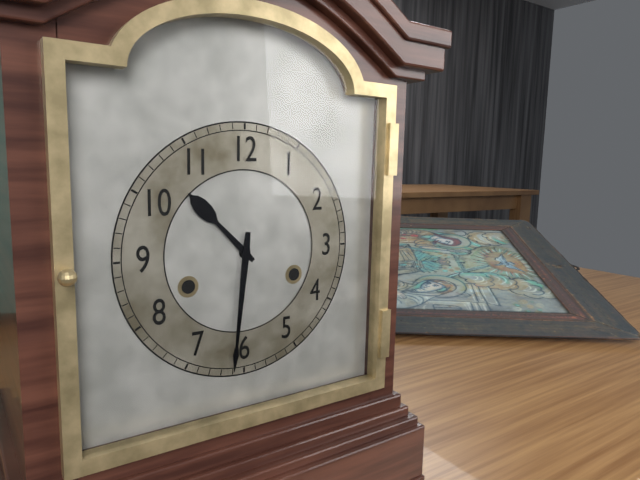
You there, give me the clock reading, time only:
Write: 10:31
